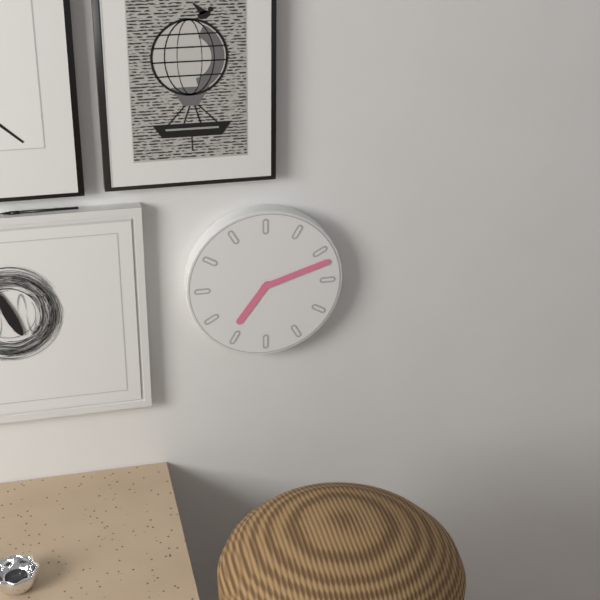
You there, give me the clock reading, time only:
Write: 7:12
